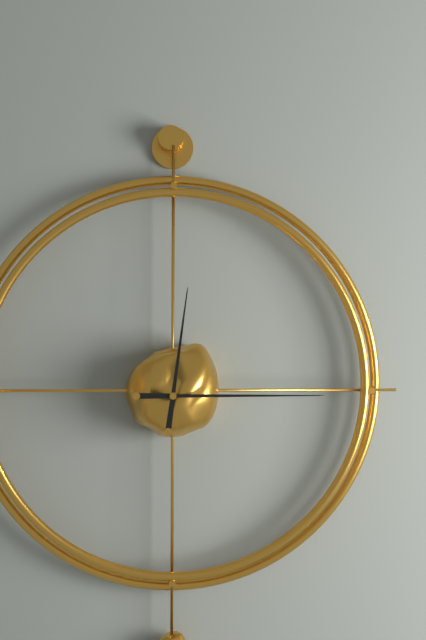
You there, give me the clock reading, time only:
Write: 12:15
